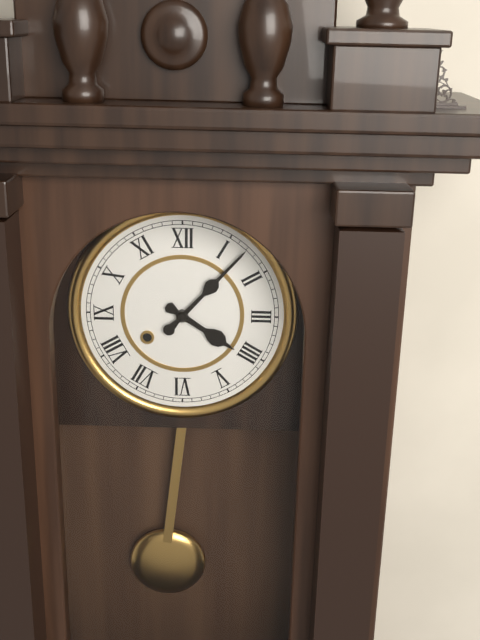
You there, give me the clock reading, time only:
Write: 4:07
